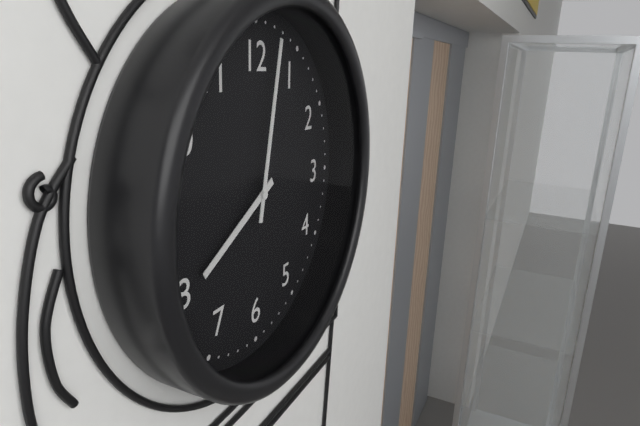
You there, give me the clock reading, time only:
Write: 8:02
